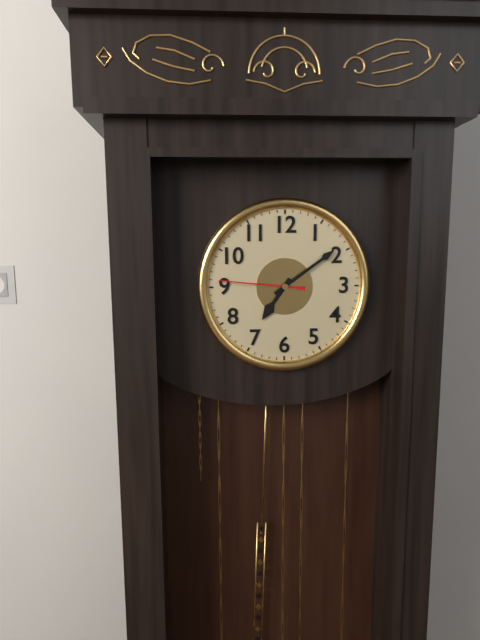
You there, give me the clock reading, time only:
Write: 7:09:46
